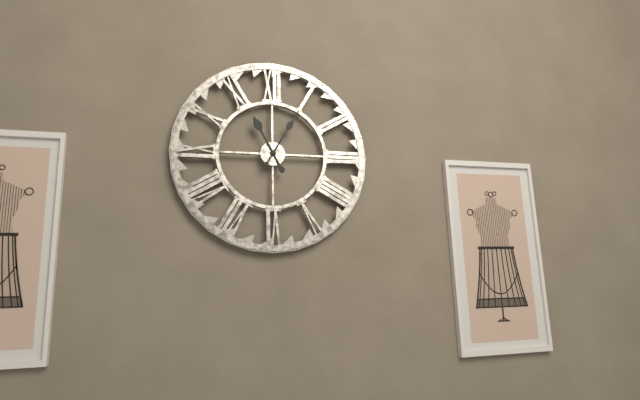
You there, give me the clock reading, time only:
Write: 11:05
